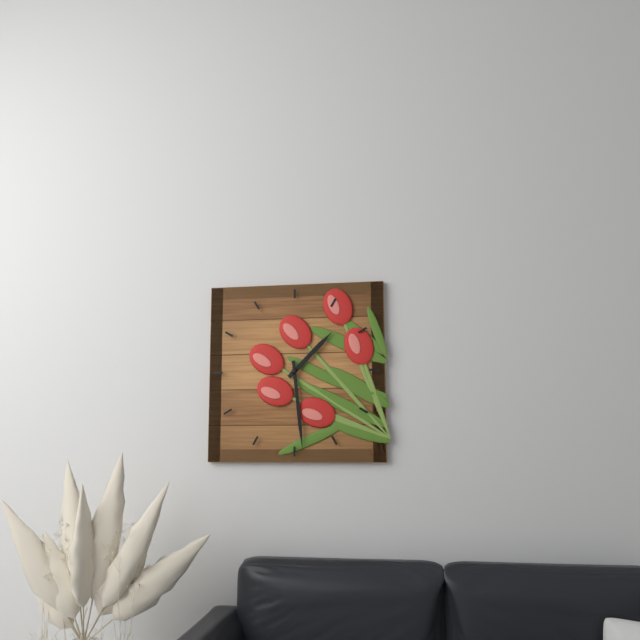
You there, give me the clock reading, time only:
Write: 1:29
